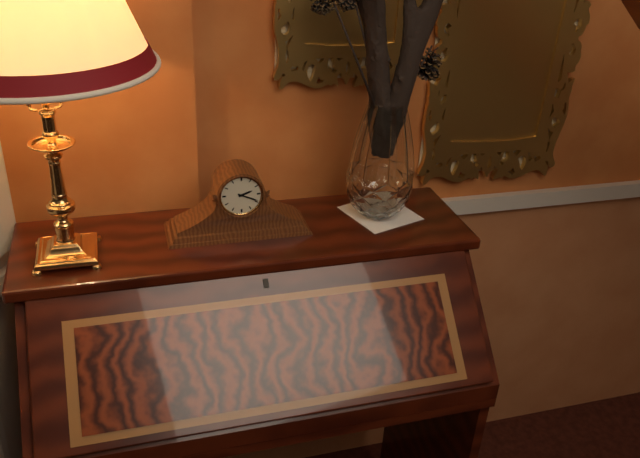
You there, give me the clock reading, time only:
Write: 2:19
